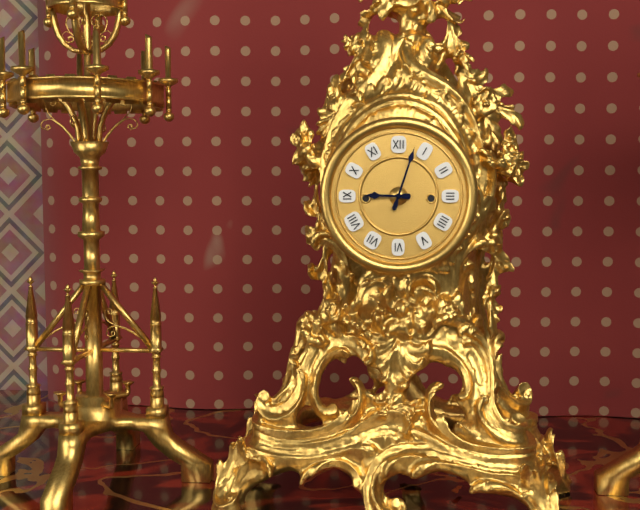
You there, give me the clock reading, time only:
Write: 9:03
